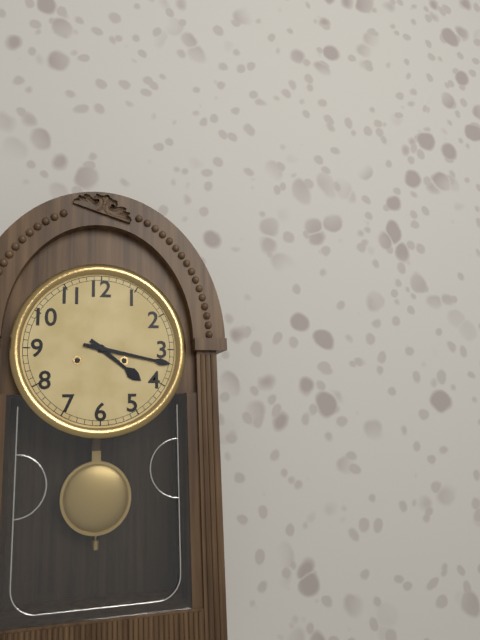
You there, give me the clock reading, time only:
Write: 4:17
